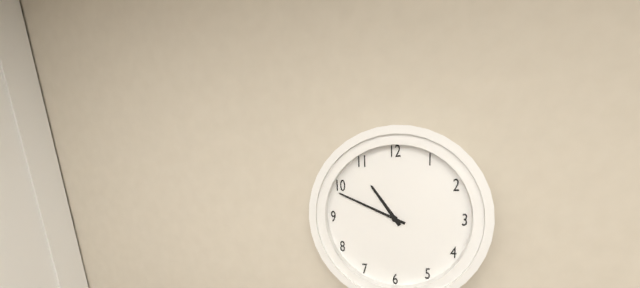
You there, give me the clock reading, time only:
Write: 10:49
